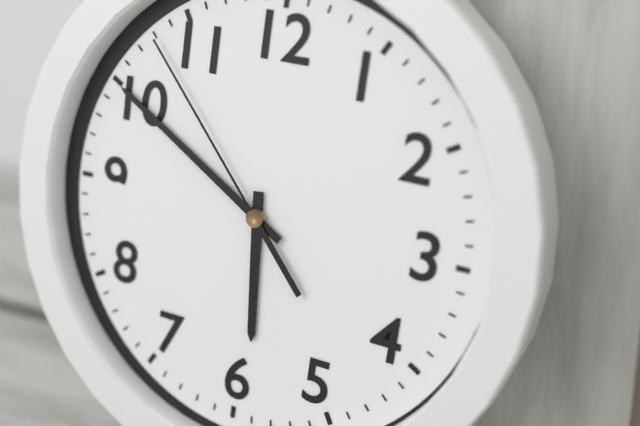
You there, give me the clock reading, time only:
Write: 5:50:53
